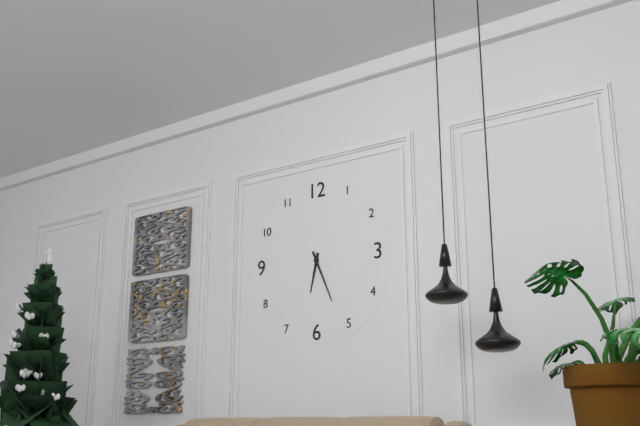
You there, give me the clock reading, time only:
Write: 6:26
